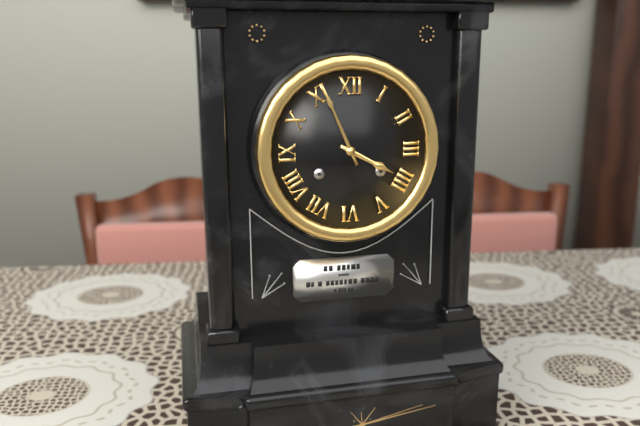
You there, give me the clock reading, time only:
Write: 3:56
